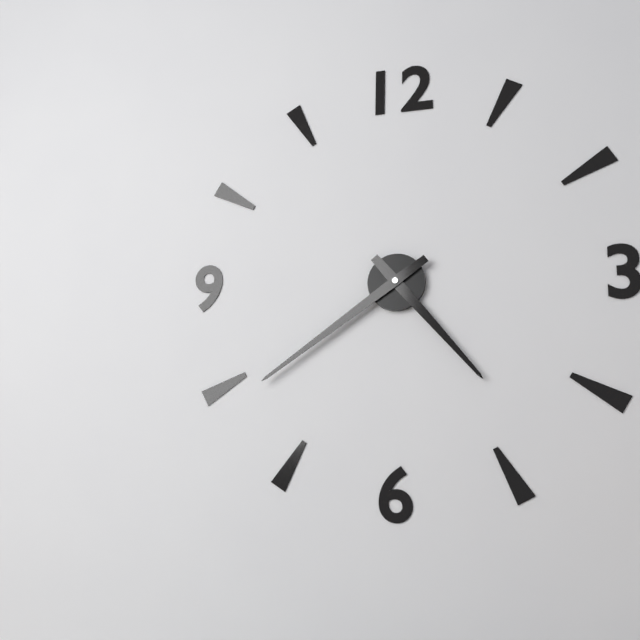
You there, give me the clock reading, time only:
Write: 4:39
